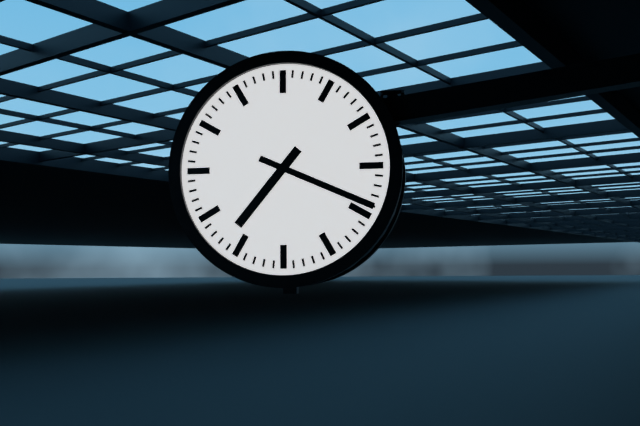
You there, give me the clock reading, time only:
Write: 7:19
